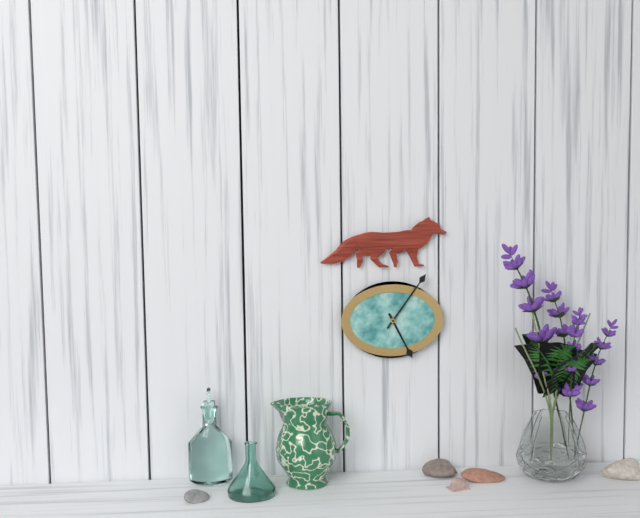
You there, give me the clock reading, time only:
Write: 5:06
